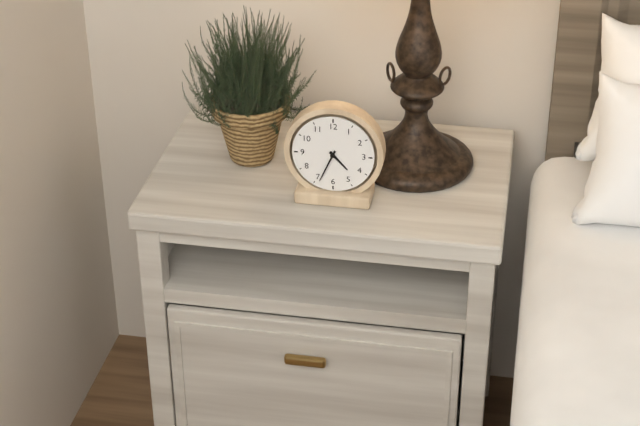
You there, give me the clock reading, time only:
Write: 4:34
